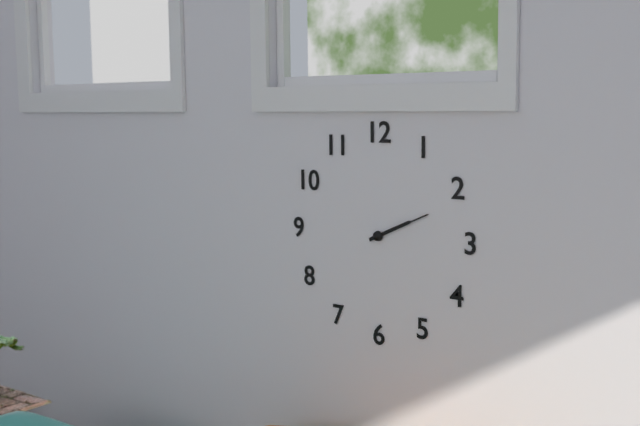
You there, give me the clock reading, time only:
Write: 2:11
